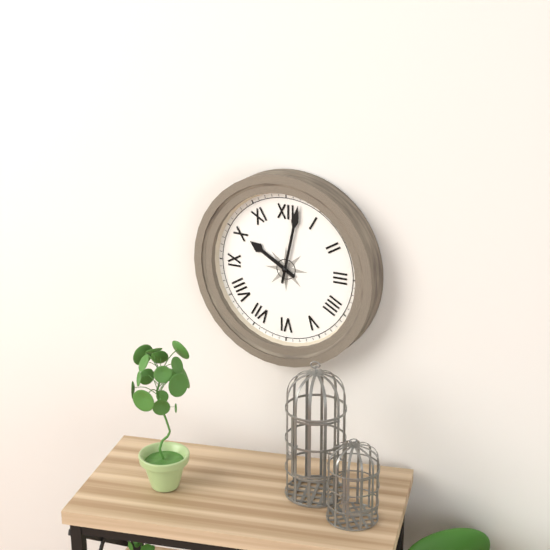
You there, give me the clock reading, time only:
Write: 10:02
